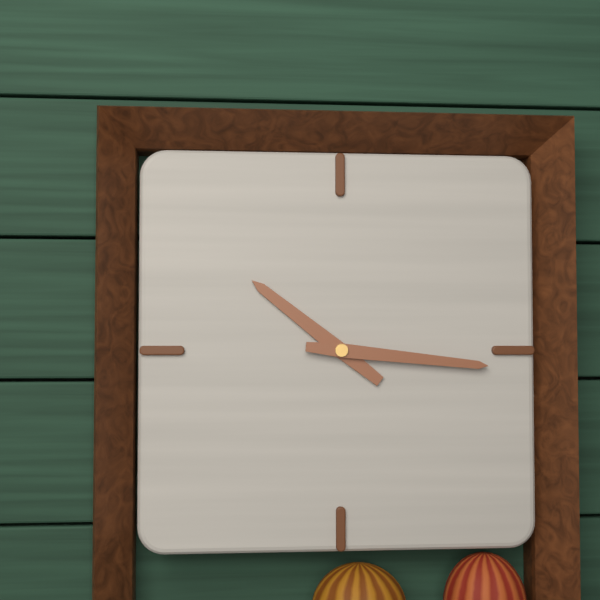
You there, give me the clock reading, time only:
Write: 10:16
